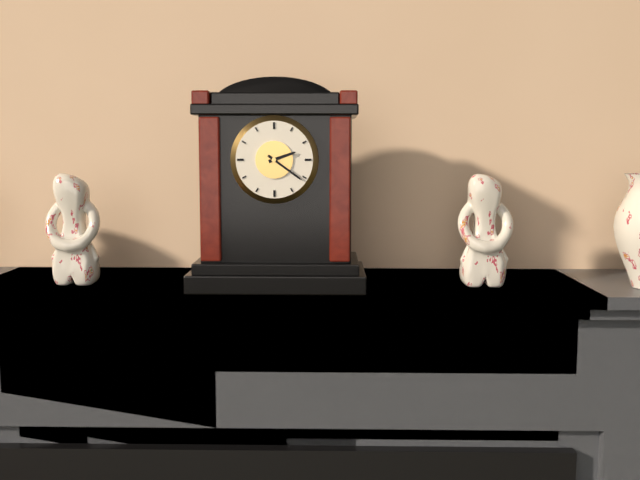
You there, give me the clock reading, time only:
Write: 2:21
